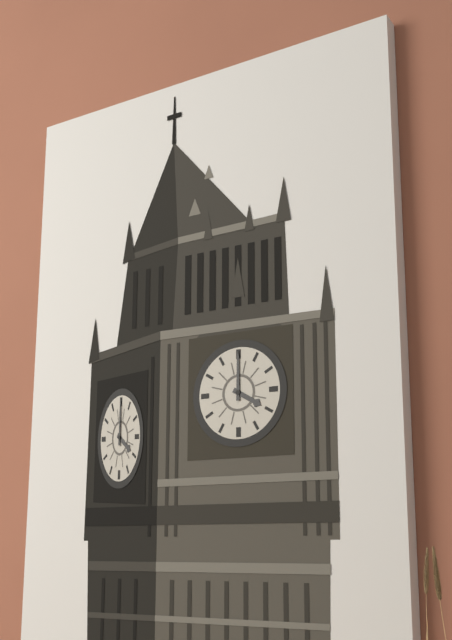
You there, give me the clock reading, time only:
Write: 4:00
